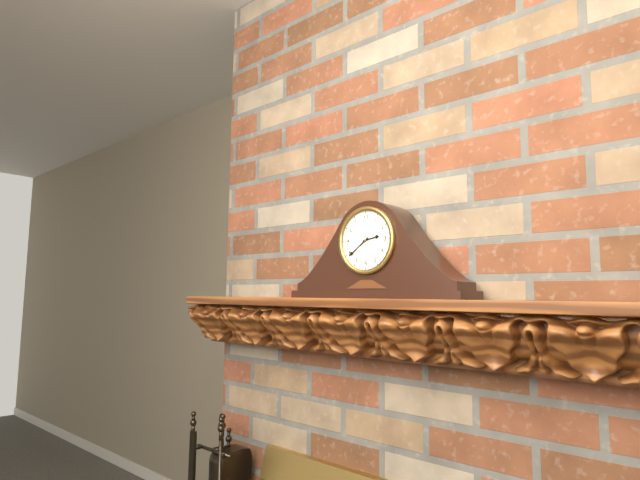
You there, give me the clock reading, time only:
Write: 2:39
